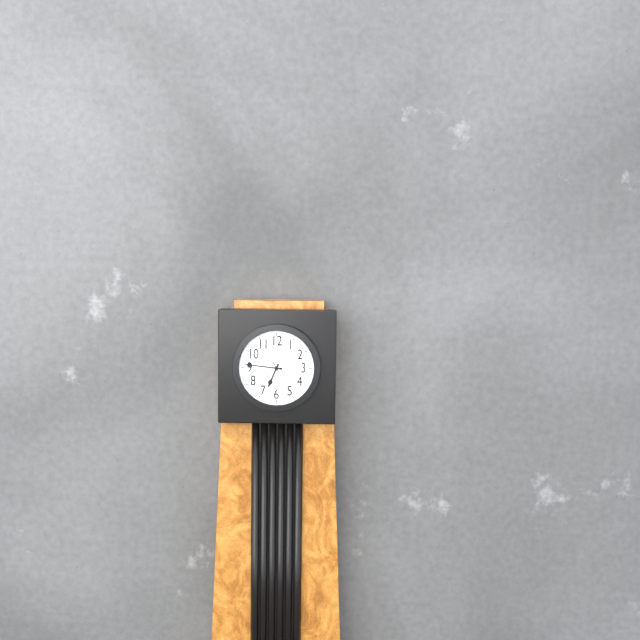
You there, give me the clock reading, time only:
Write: 6:46
